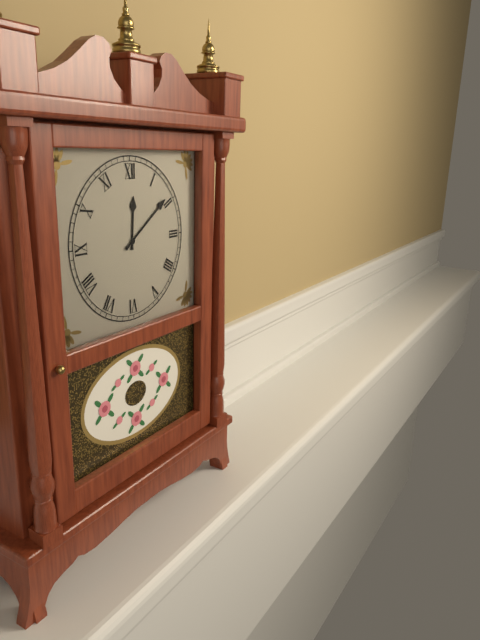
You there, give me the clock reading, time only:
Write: 12:09
